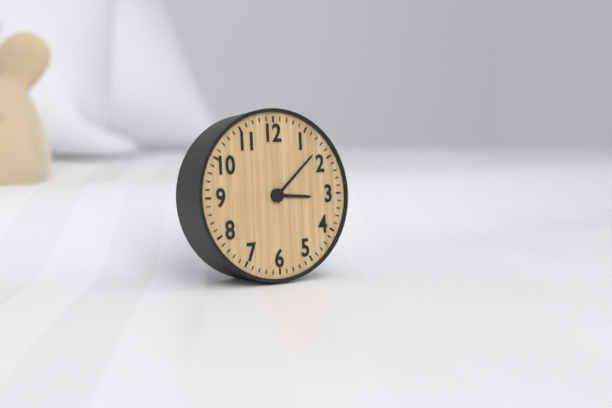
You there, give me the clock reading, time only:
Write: 3:08
